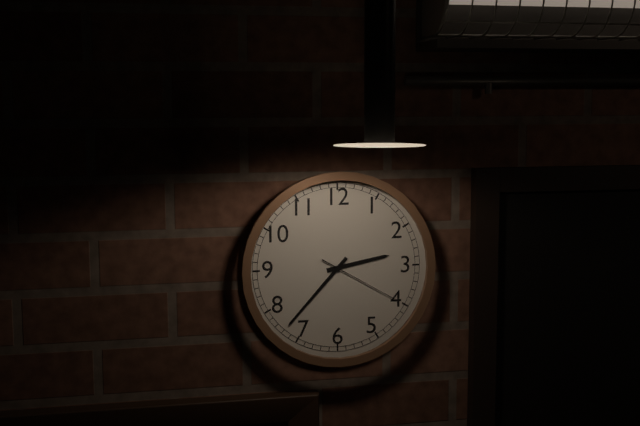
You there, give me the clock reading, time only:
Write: 2:37:20
